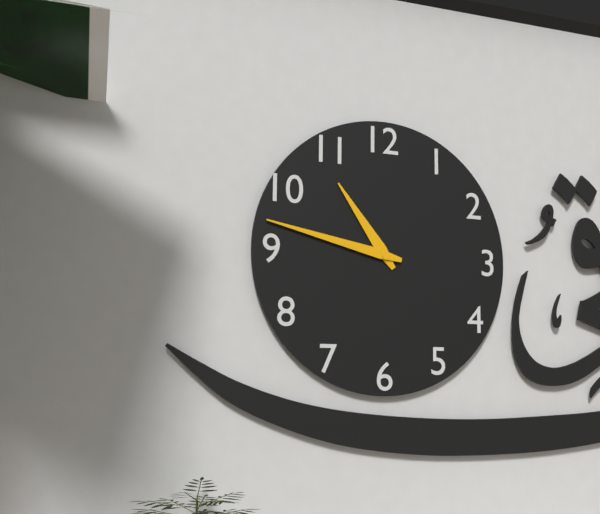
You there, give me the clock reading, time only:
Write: 10:47
